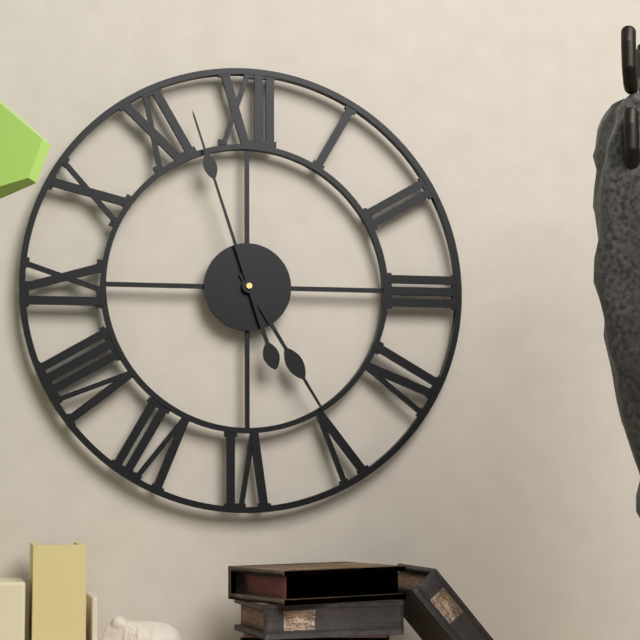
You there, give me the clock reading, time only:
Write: 4:57
